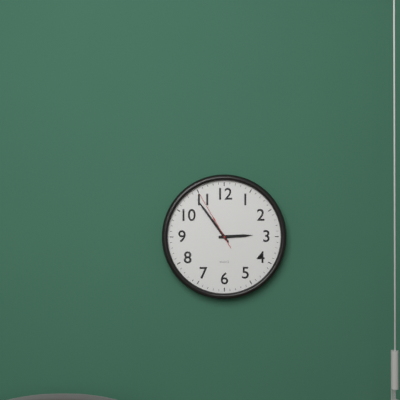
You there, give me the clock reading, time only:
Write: 2:54:55
